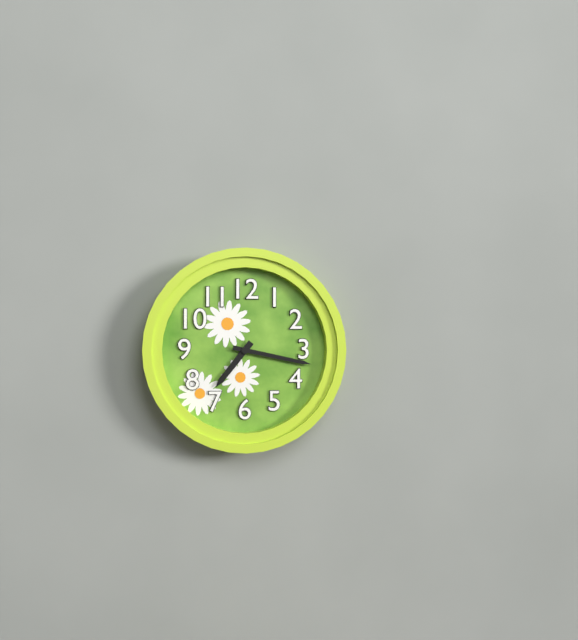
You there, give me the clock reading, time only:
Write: 7:17
